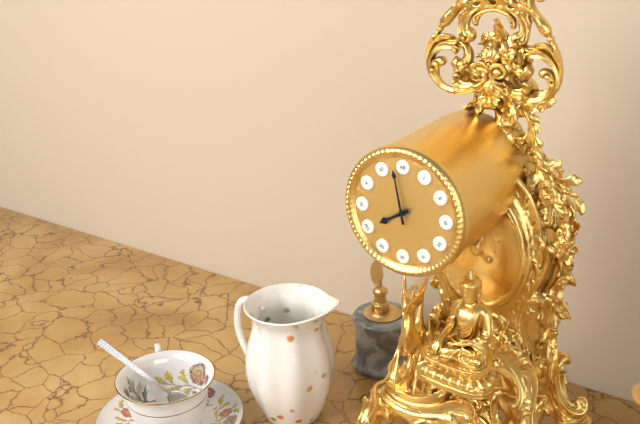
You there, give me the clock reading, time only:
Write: 7:58
